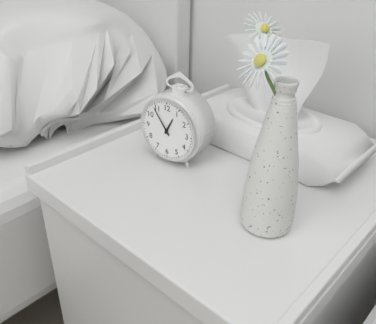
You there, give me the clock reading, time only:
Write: 12:54
